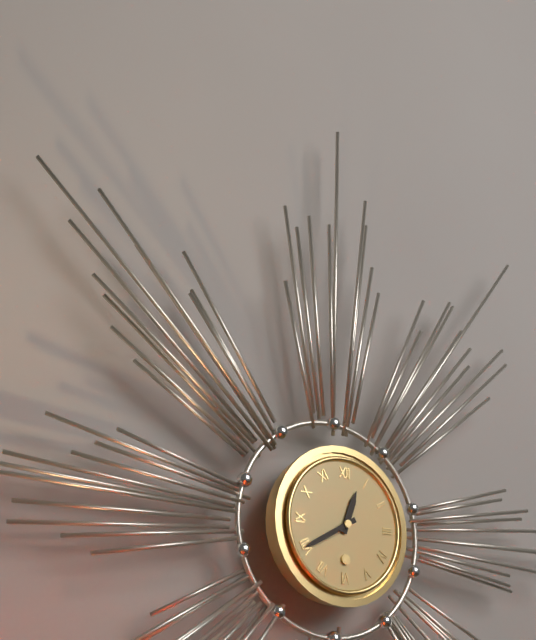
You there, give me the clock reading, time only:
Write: 12:40
